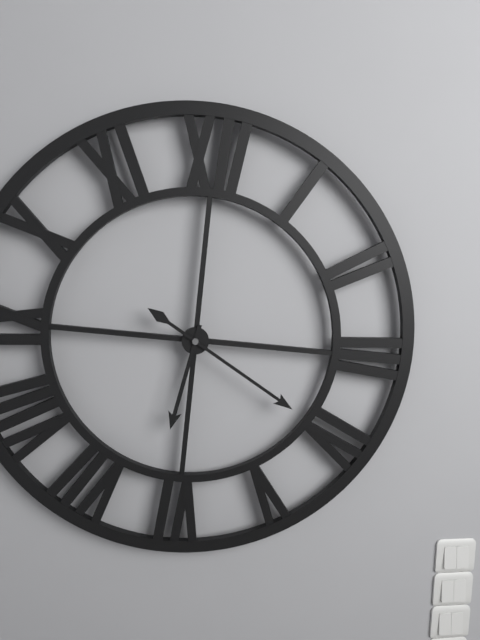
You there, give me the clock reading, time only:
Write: 6:20
